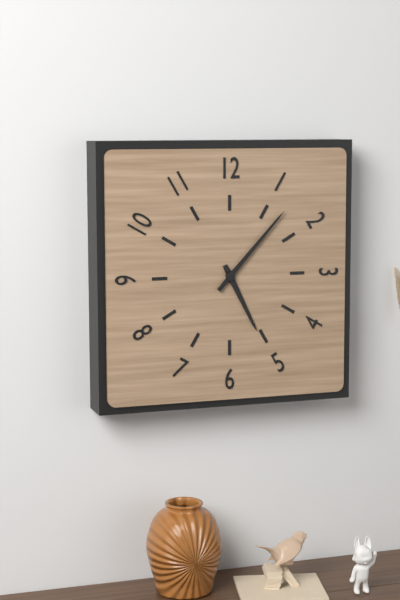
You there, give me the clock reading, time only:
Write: 5:07
